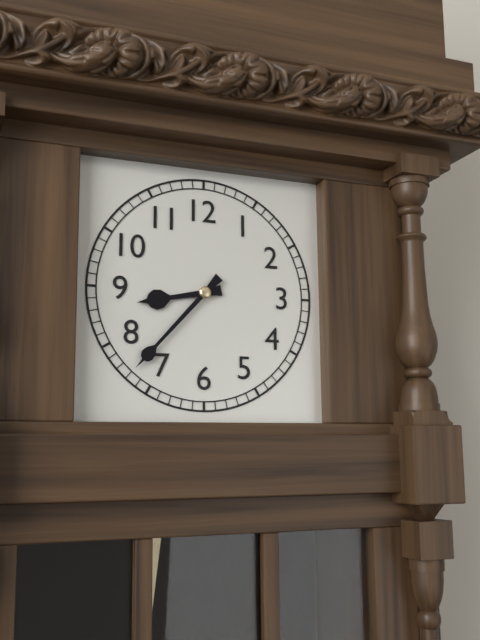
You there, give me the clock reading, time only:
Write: 8:37
